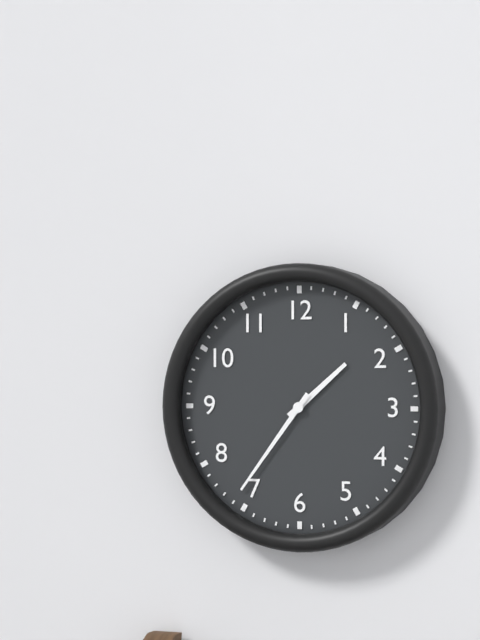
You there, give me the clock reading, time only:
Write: 1:36
